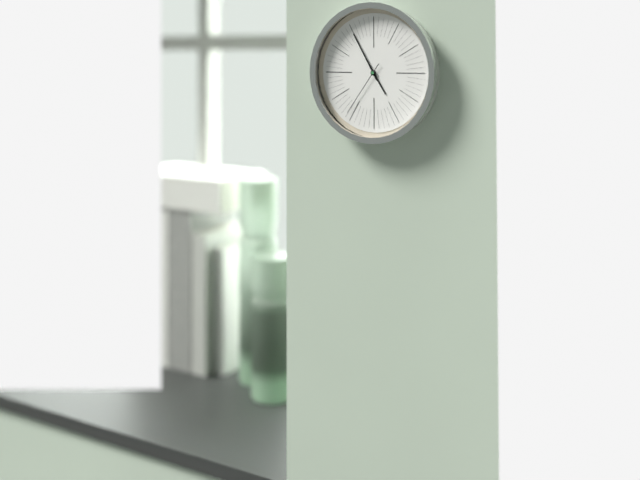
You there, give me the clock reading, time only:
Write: 4:55:36
